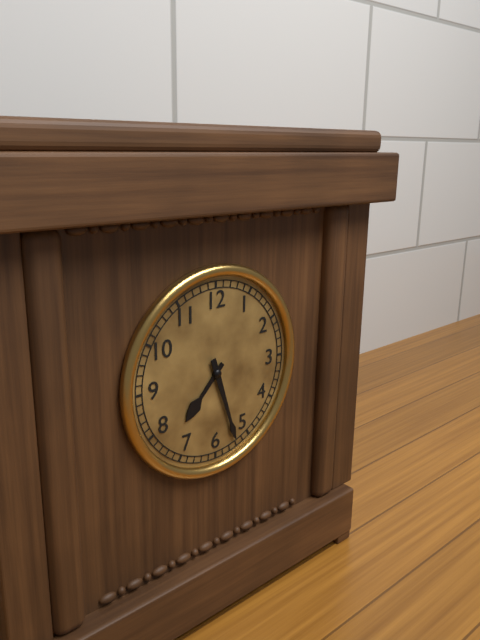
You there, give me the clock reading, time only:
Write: 7:27
